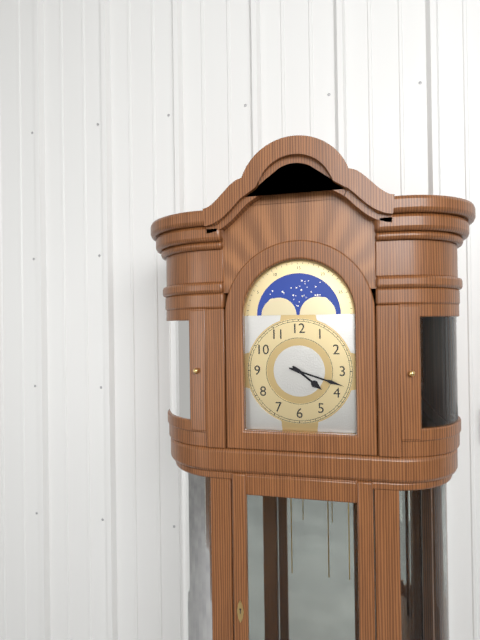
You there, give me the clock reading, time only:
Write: 4:18
